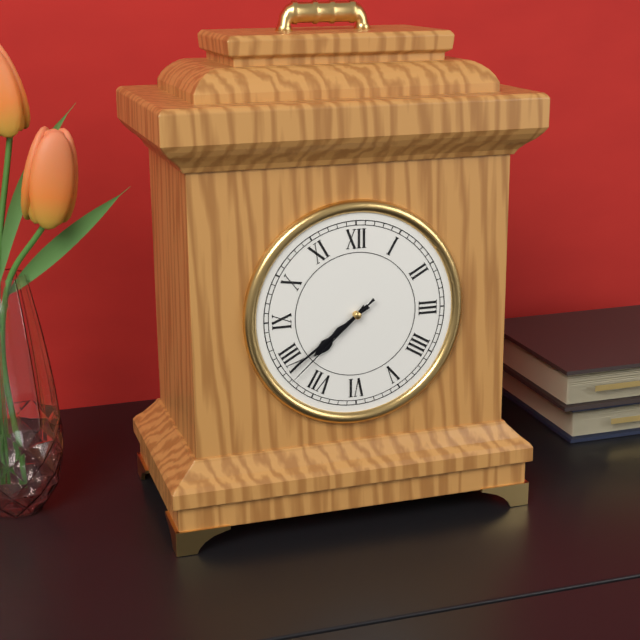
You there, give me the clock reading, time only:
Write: 7:39:38
